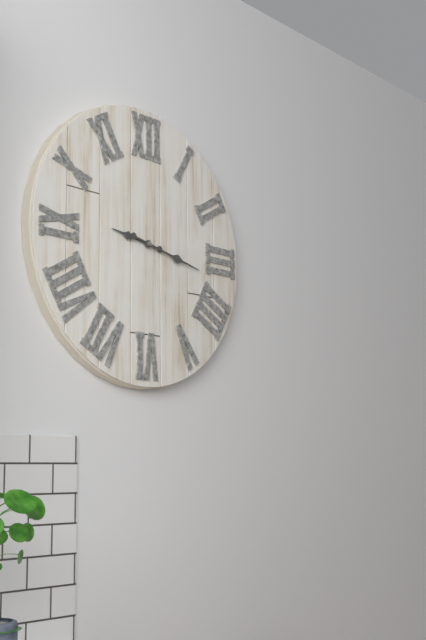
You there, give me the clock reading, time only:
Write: 9:17
